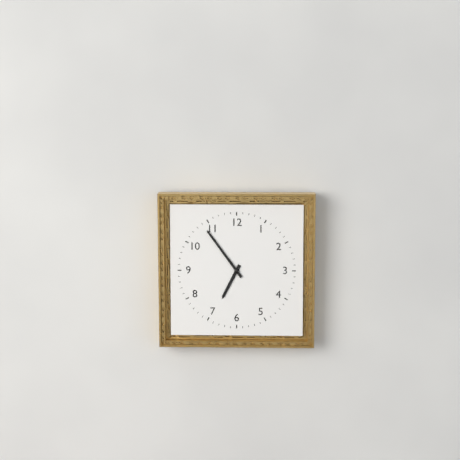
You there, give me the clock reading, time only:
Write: 6:54
